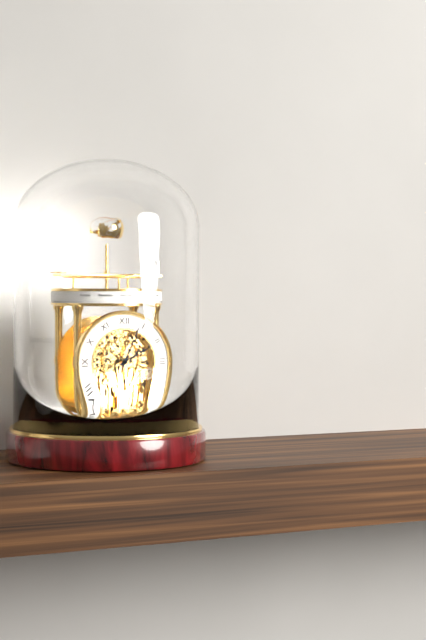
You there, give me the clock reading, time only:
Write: 2:04
